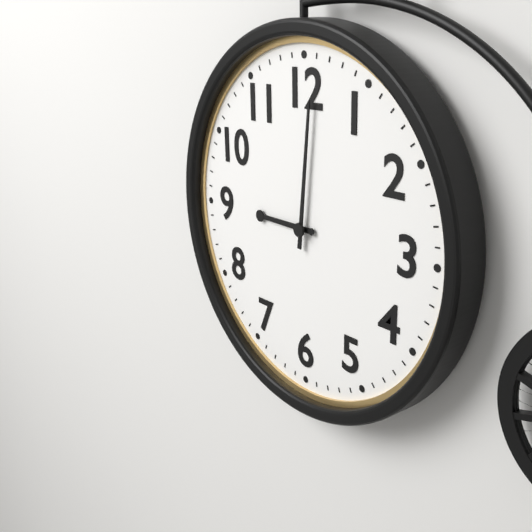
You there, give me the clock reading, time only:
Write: 9:01
